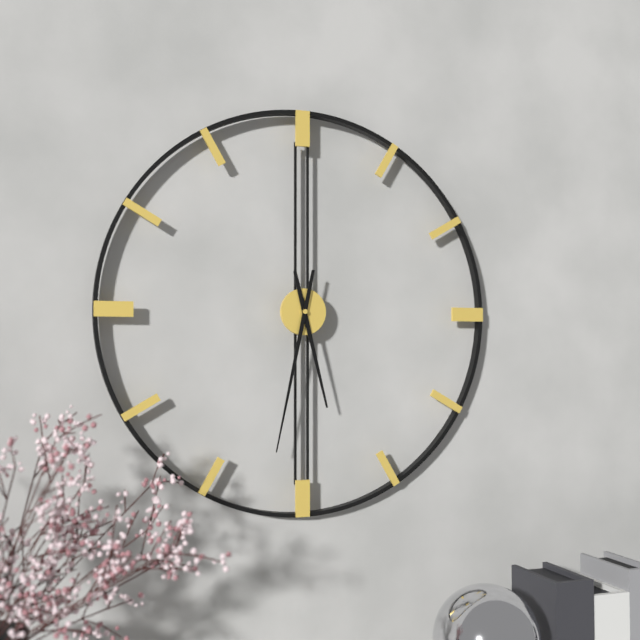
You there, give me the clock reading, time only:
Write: 5:32
